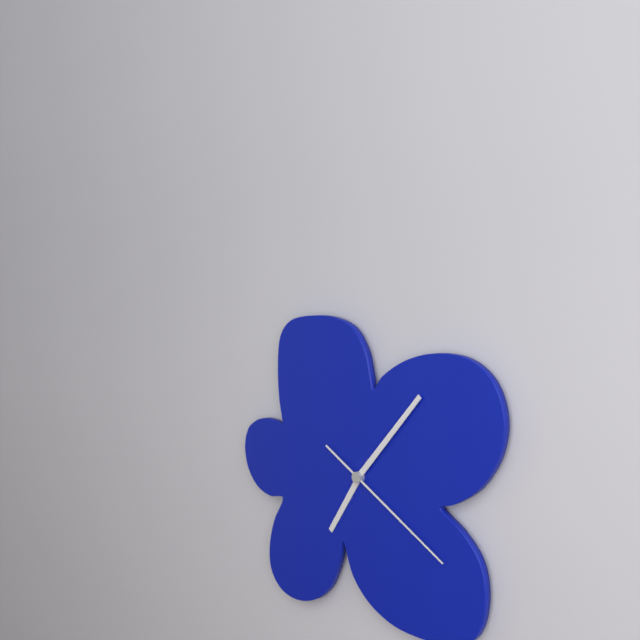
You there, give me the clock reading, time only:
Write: 7:07:20
